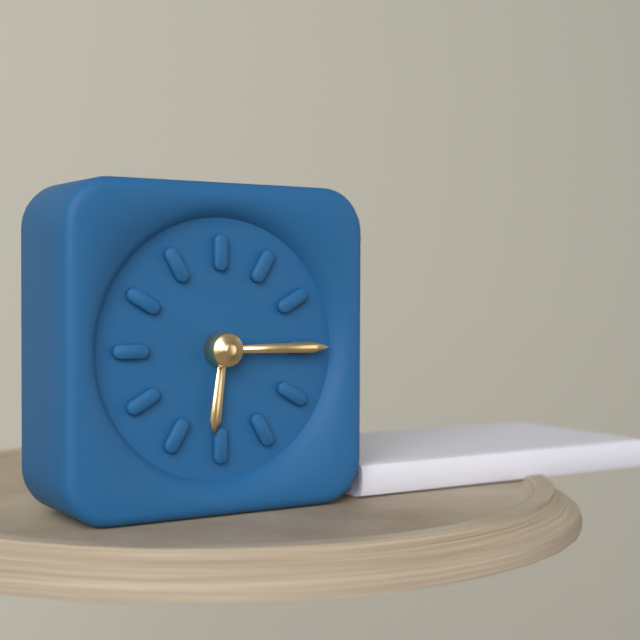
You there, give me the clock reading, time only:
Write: 6:15
